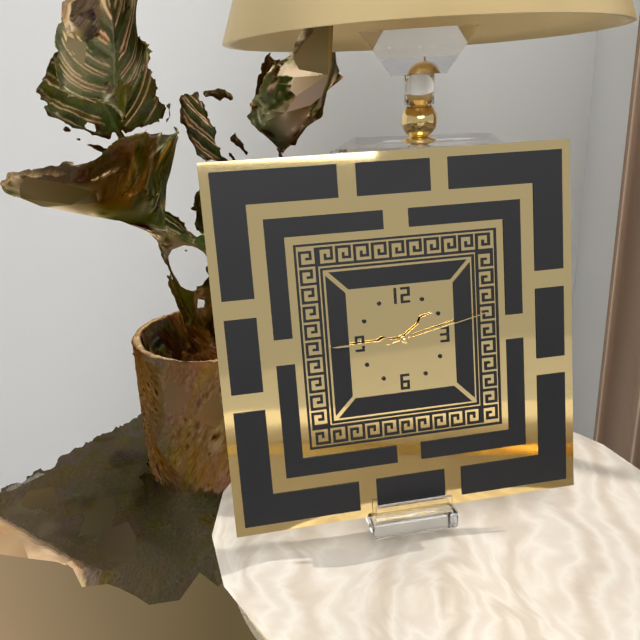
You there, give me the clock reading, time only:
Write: 1:45:13
